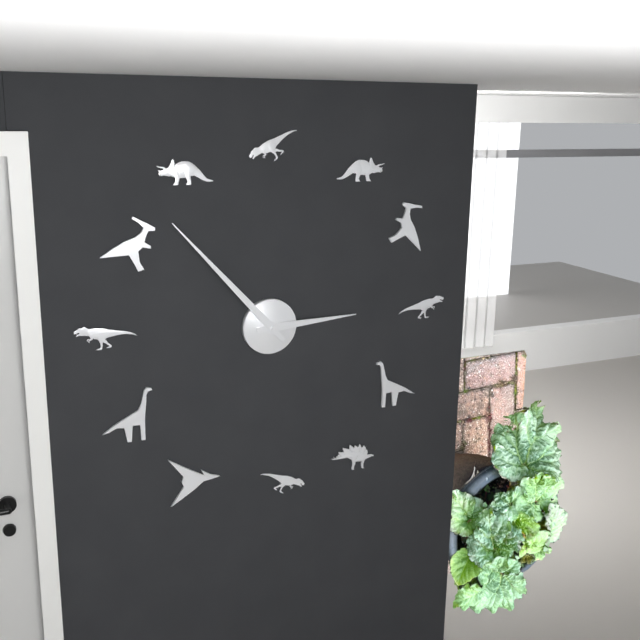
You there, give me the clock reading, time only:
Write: 2:53
